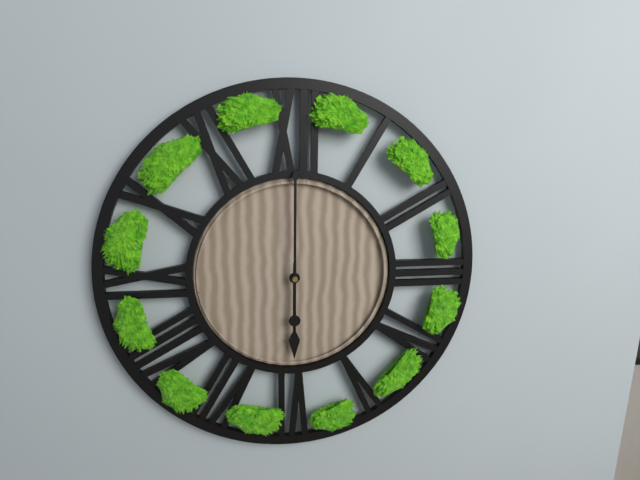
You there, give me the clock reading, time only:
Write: 6:00
